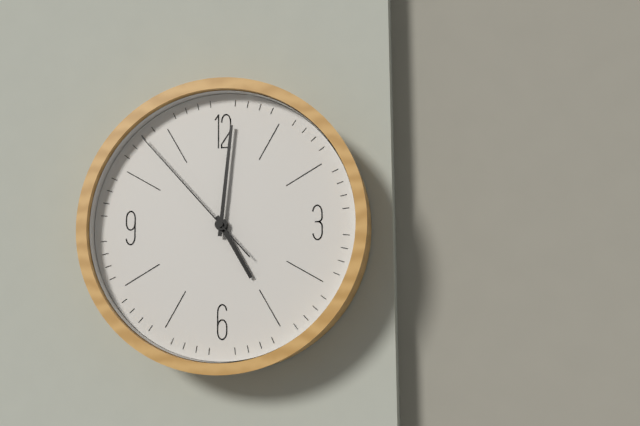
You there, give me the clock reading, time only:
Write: 5:01:53
